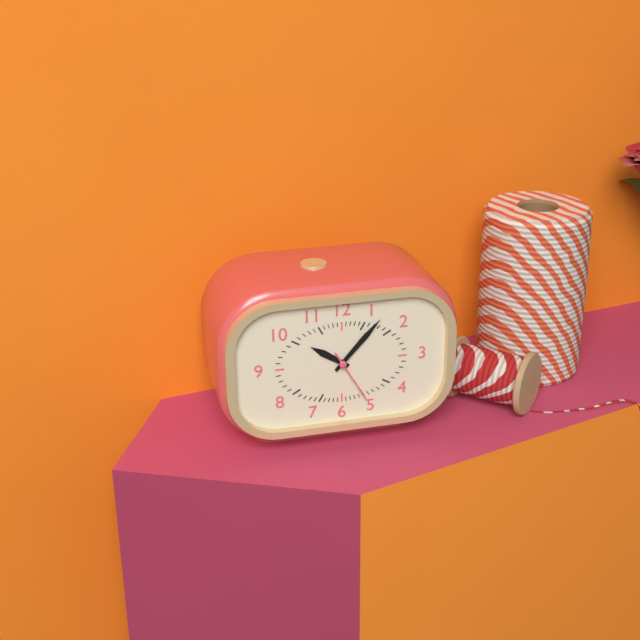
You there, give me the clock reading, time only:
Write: 10:07:25
